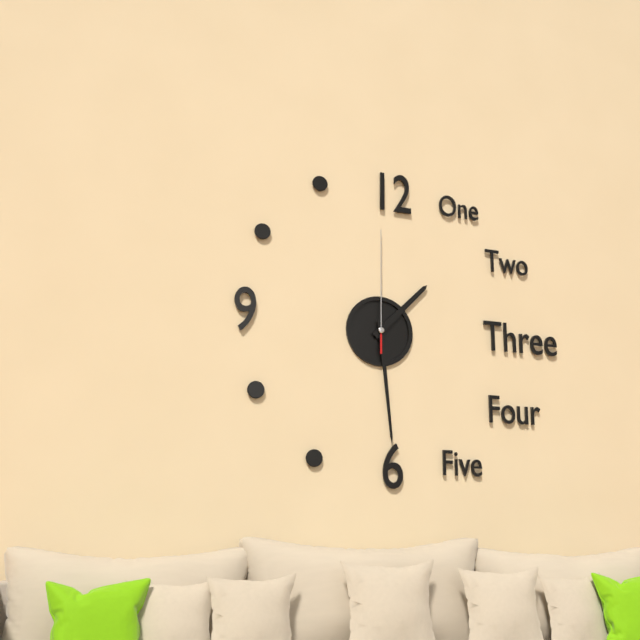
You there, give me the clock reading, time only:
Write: 1:29:00
